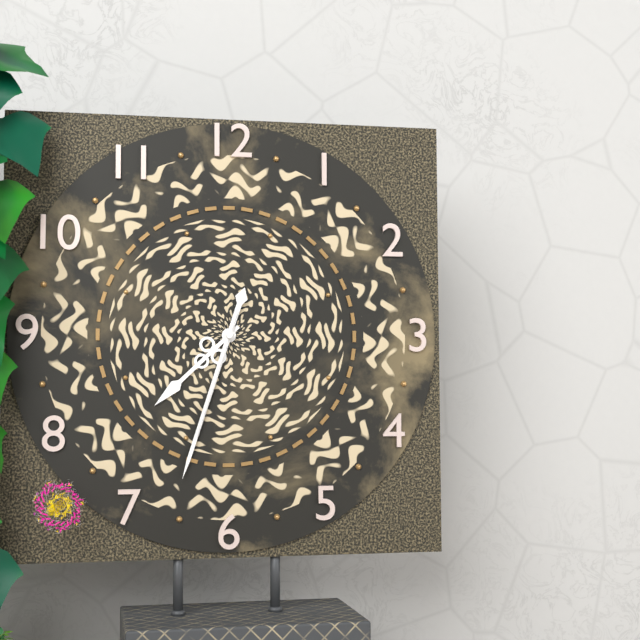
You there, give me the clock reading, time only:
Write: 7:33:33
